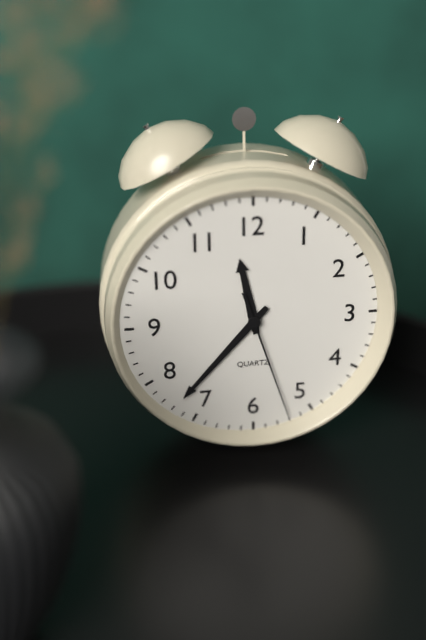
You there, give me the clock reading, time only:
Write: 11:37:27
